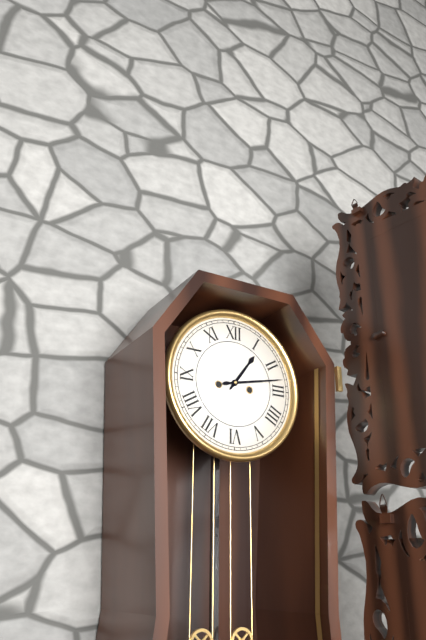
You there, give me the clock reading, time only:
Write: 1:13
